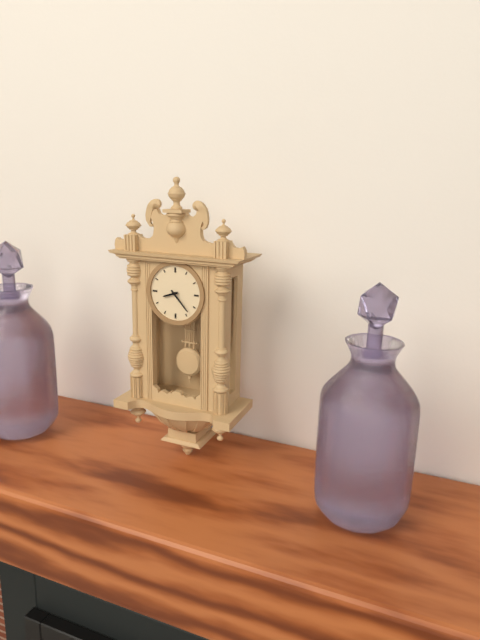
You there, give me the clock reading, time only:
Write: 8:23
